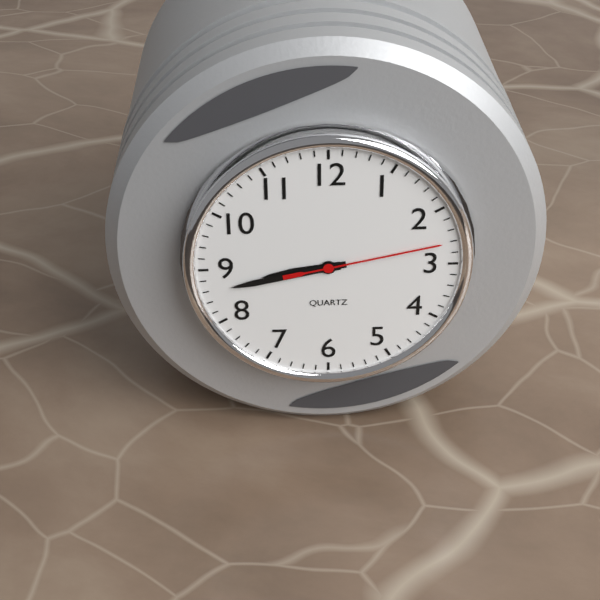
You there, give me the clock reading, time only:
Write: 8:43:13
